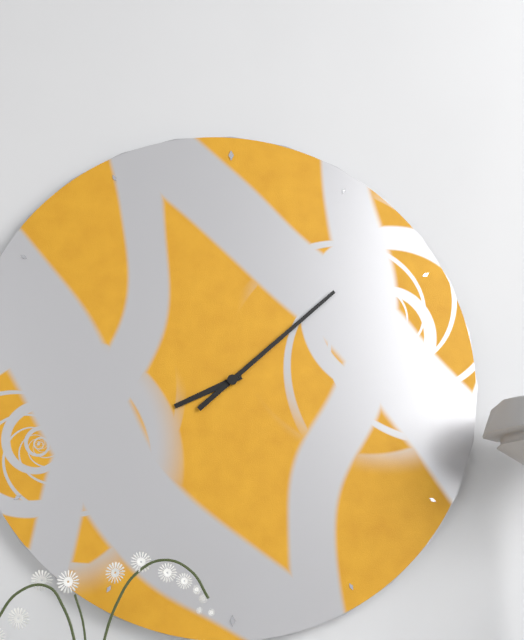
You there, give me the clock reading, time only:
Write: 8:08
